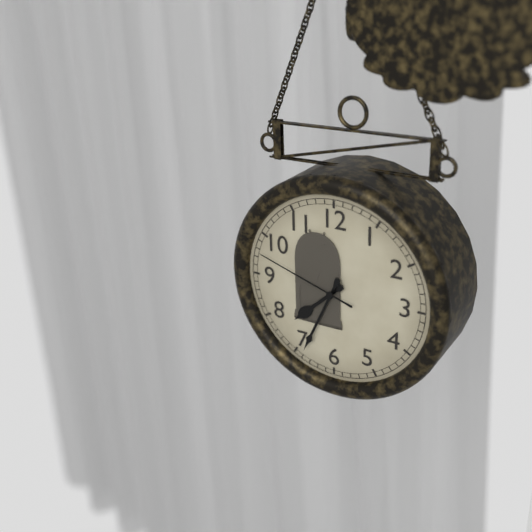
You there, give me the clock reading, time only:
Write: 7:34:48
